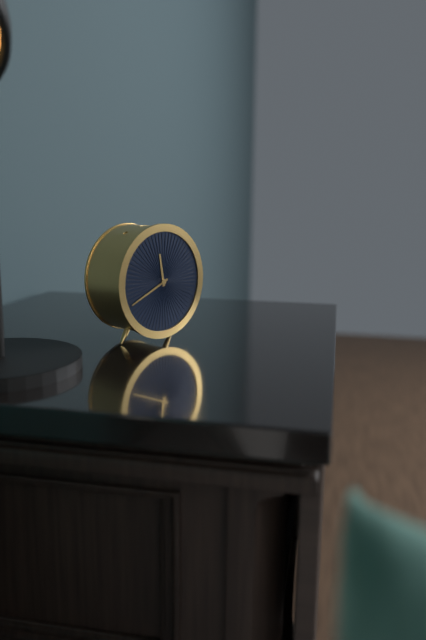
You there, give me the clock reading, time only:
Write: 11:41
